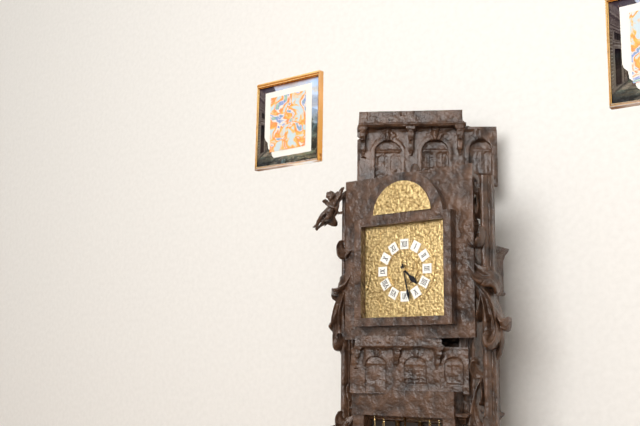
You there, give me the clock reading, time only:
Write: 4:28
